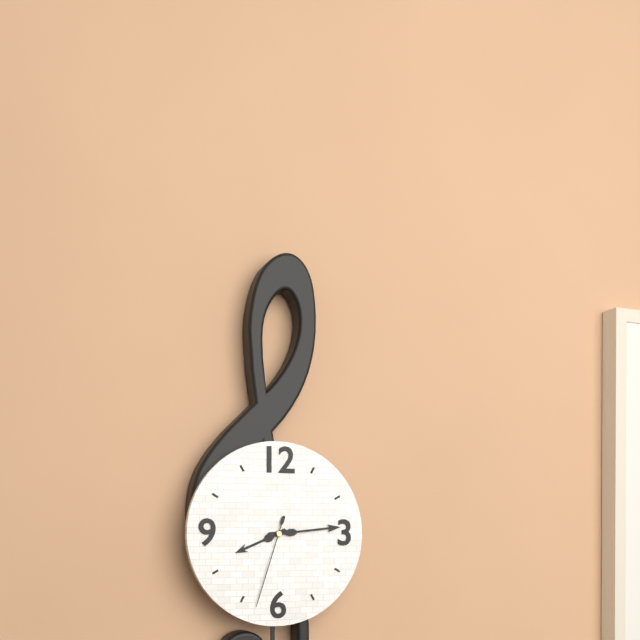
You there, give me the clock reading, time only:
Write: 8:14:33
